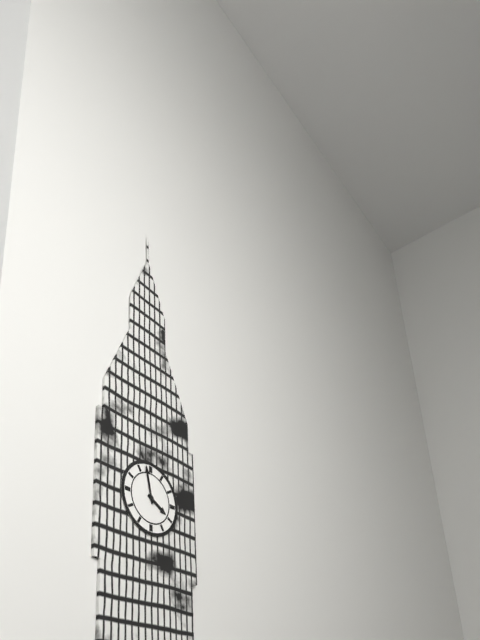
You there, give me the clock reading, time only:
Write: 3:58
